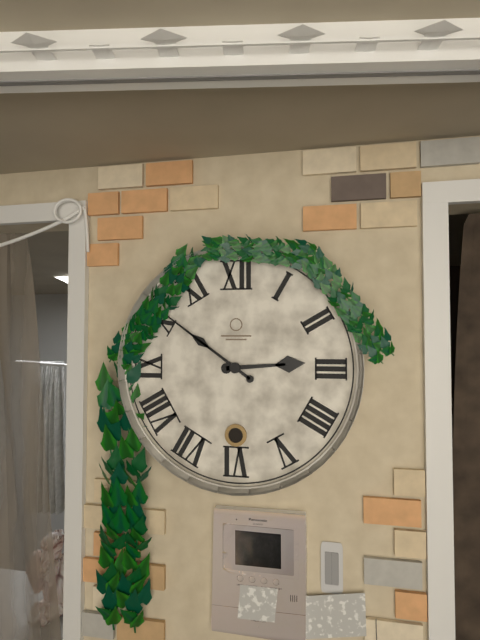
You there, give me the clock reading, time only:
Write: 2:51
